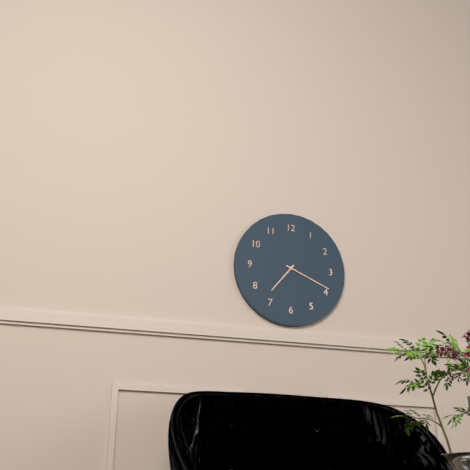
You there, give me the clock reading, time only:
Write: 7:19
